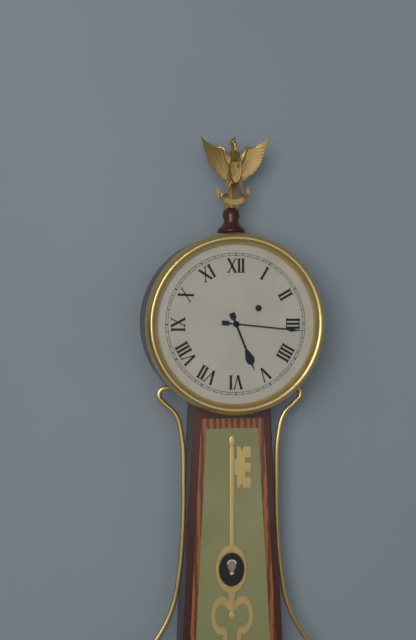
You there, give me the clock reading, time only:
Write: 5:16
